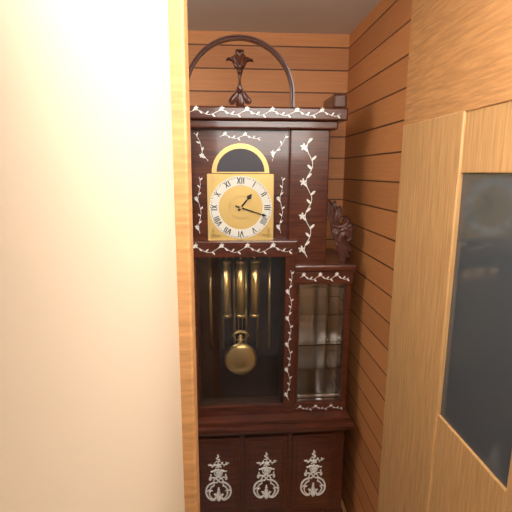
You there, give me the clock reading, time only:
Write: 1:18
